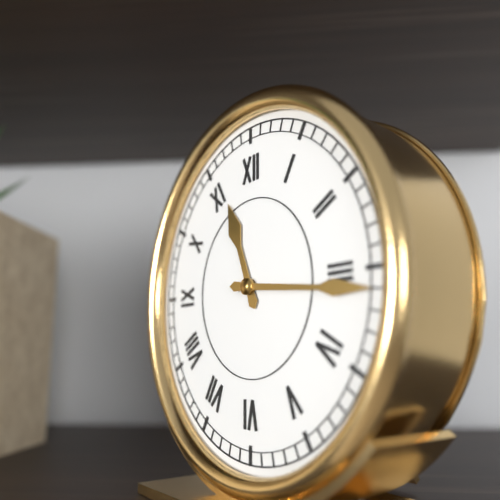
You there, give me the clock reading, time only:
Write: 11:16
